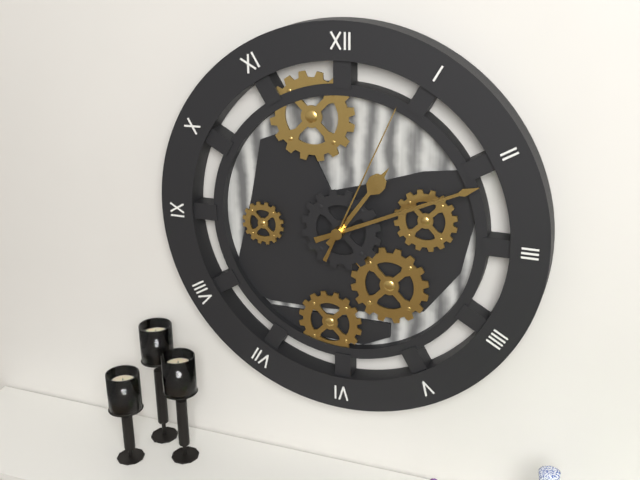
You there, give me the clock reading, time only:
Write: 1:11:04
